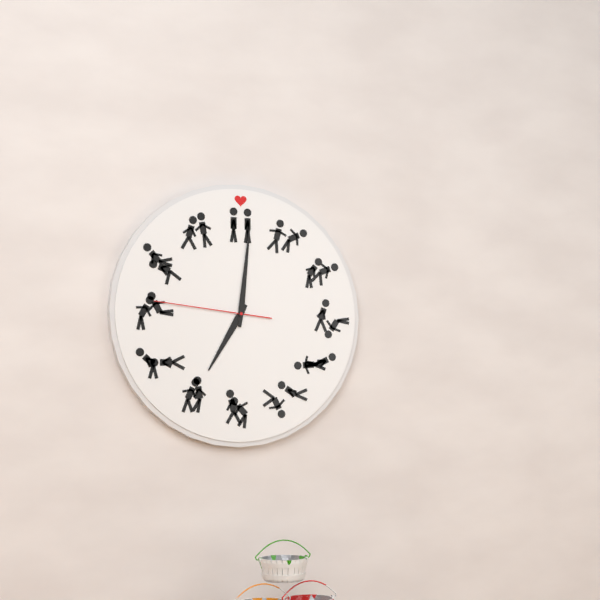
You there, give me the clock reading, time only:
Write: 7:01:46
